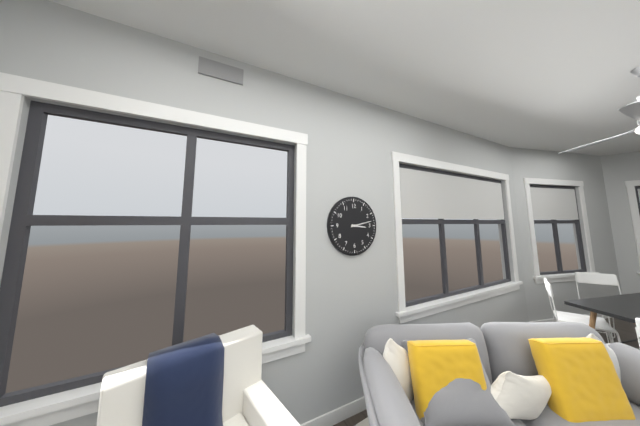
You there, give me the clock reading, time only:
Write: 3:13
